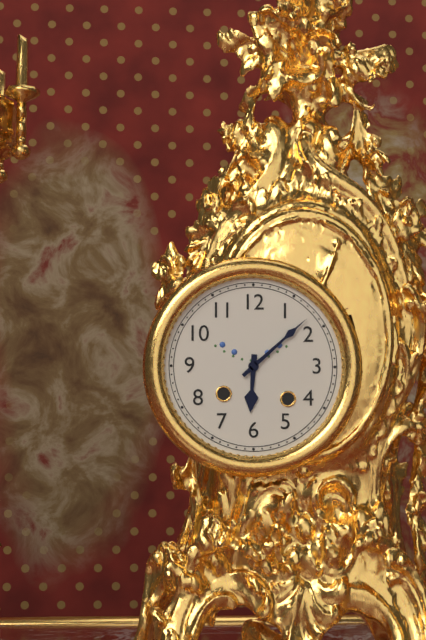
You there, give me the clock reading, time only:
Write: 6:08
